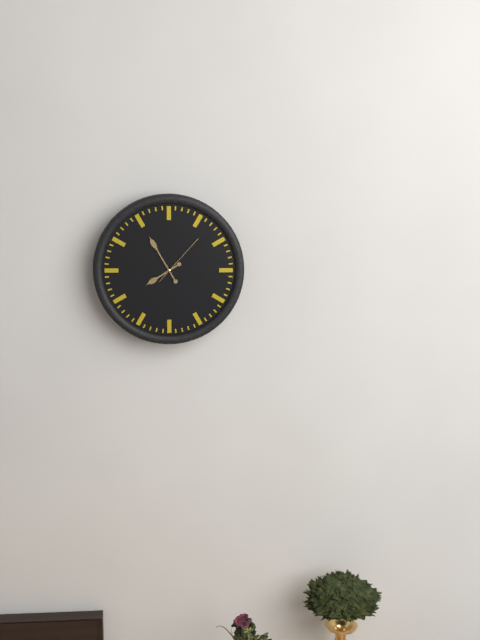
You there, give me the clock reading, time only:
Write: 7:55:07
